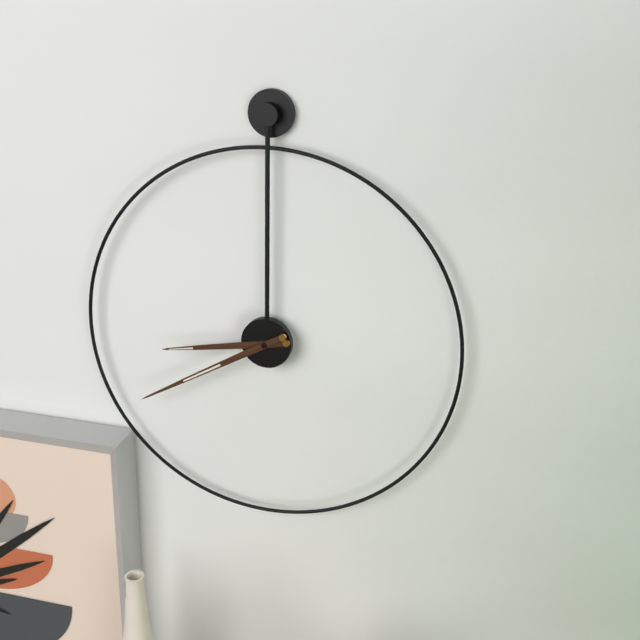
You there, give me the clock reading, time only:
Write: 8:40
